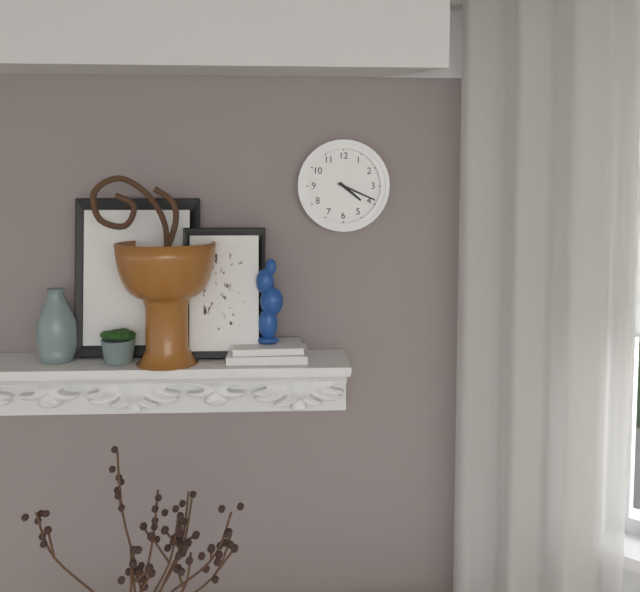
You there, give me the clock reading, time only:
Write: 4:19
